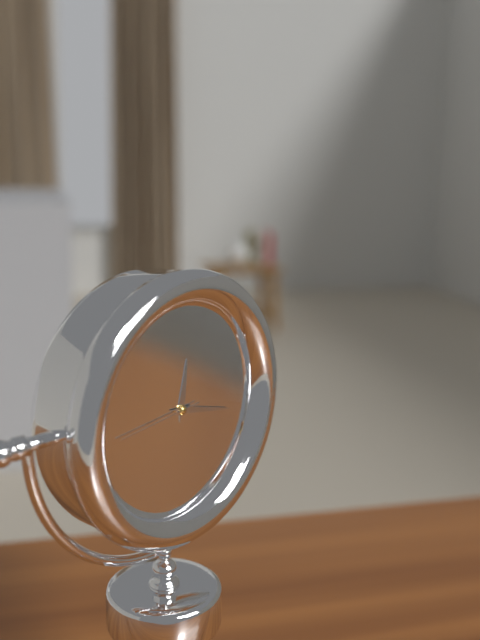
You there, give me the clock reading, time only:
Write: 12:17:44
